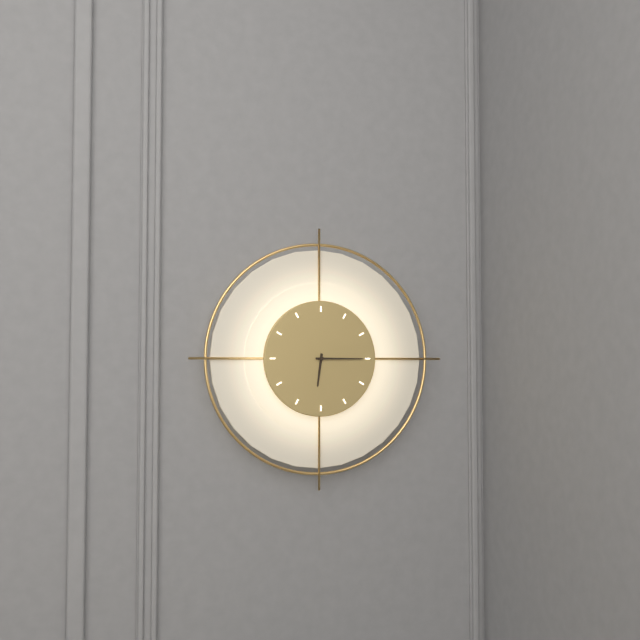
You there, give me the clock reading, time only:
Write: 6:15
